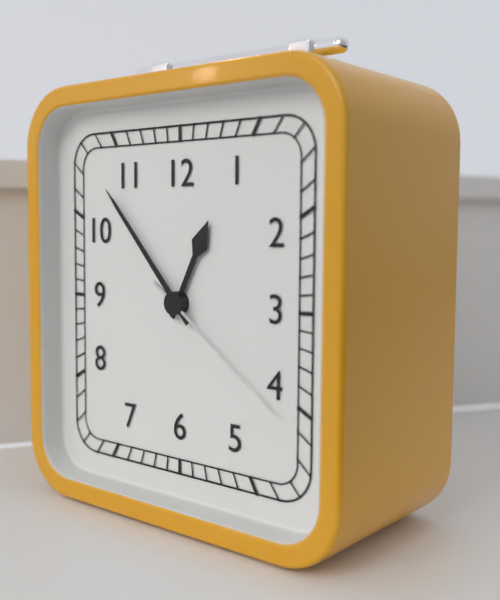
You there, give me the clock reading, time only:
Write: 12:53:21
